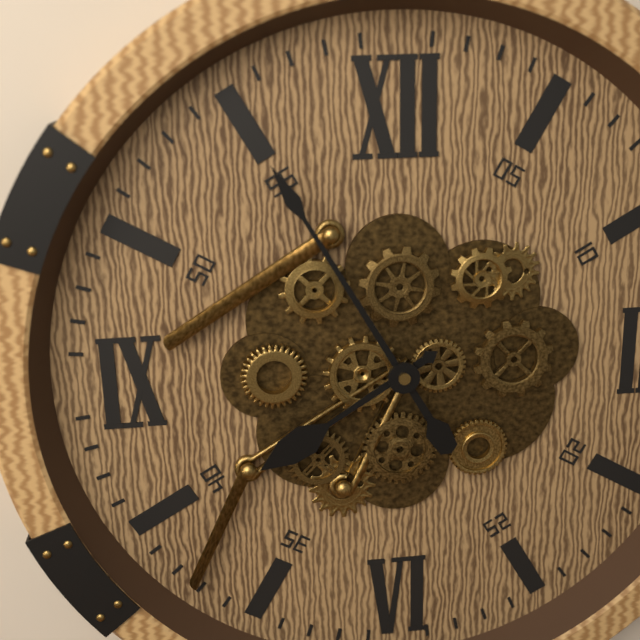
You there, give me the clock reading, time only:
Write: 7:55
